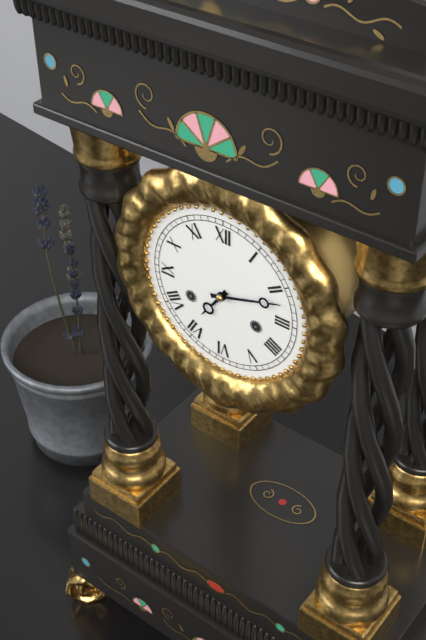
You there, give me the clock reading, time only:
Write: 7:12
